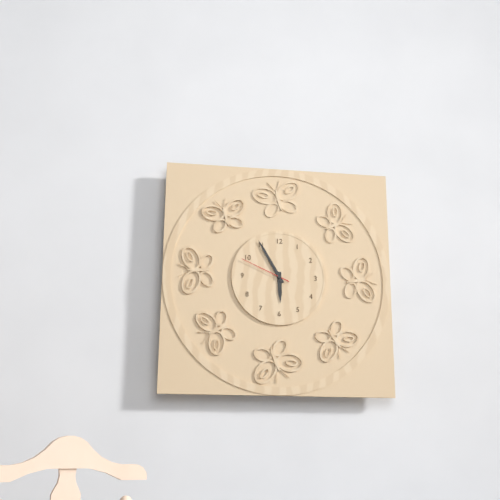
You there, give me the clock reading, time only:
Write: 5:55:49
